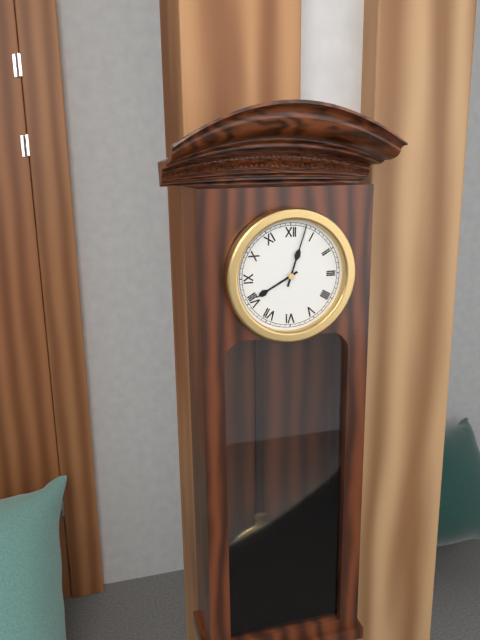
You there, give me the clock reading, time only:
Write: 8:03
